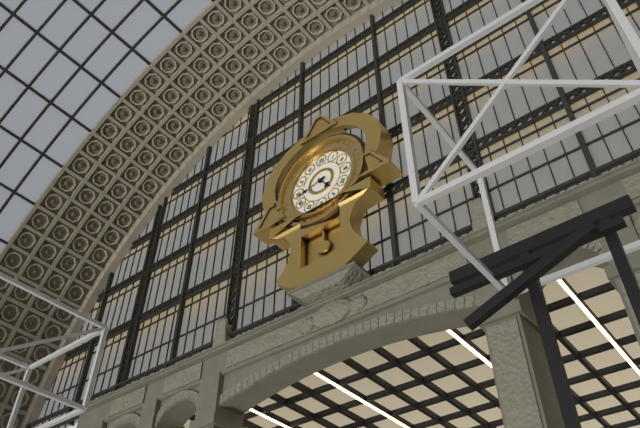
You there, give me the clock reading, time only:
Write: 4:43
